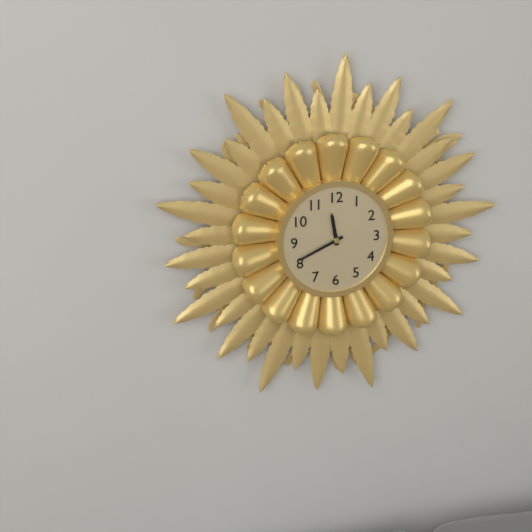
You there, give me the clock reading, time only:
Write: 11:41
